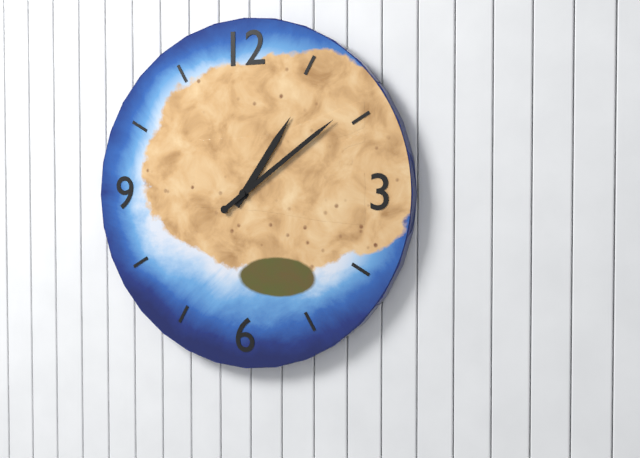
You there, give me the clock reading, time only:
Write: 1:09
